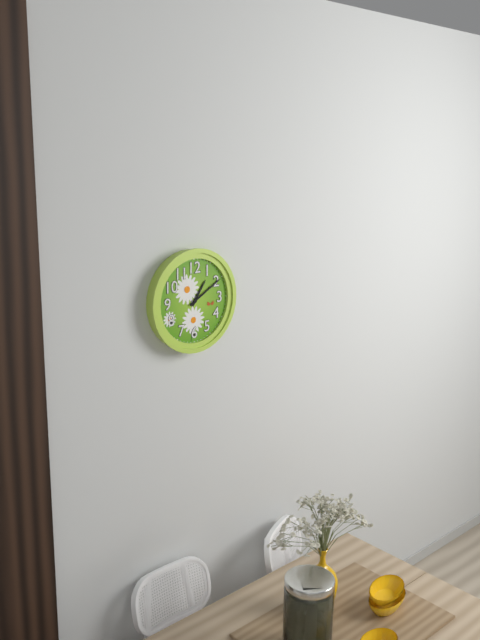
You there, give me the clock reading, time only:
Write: 1:10
